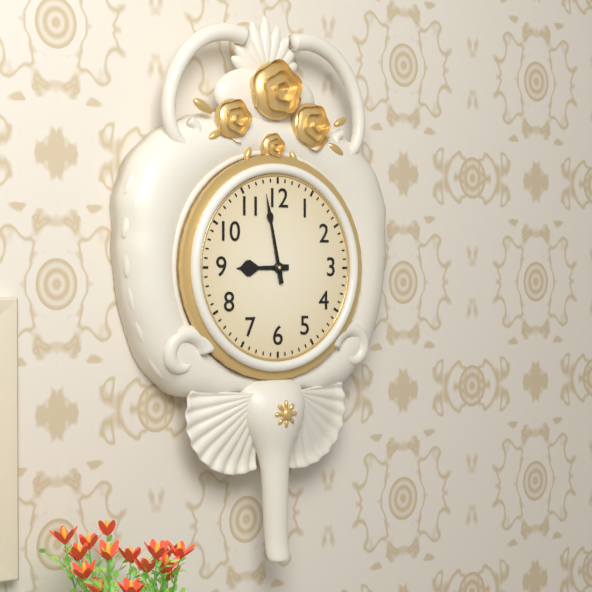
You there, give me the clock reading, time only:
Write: 8:58
